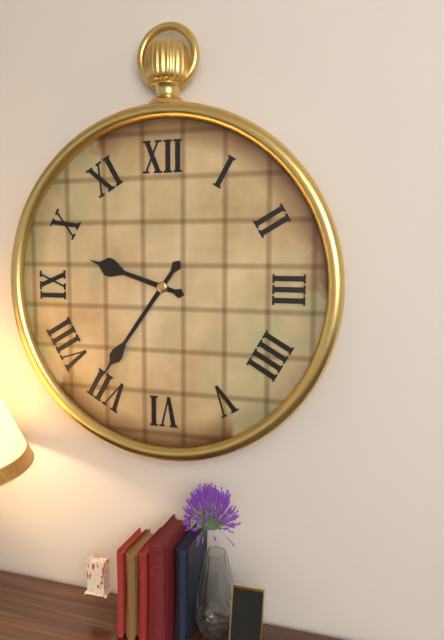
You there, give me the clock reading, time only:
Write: 9:36
